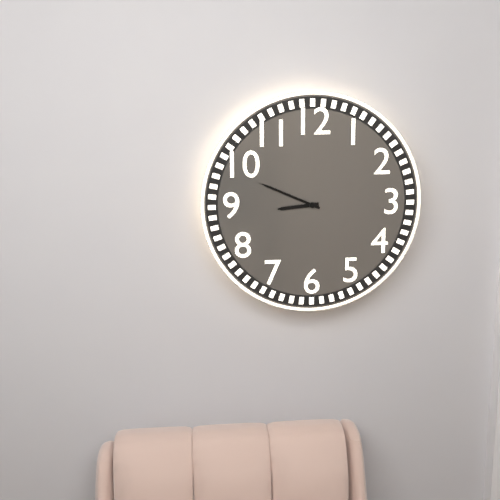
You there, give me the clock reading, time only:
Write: 8:49
